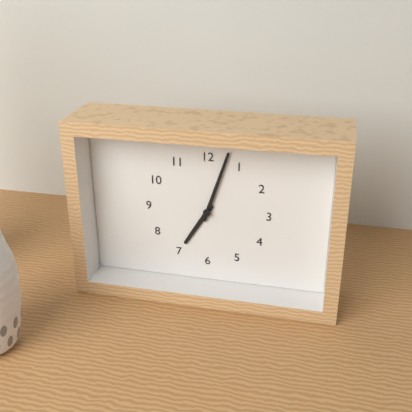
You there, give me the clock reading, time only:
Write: 7:03
